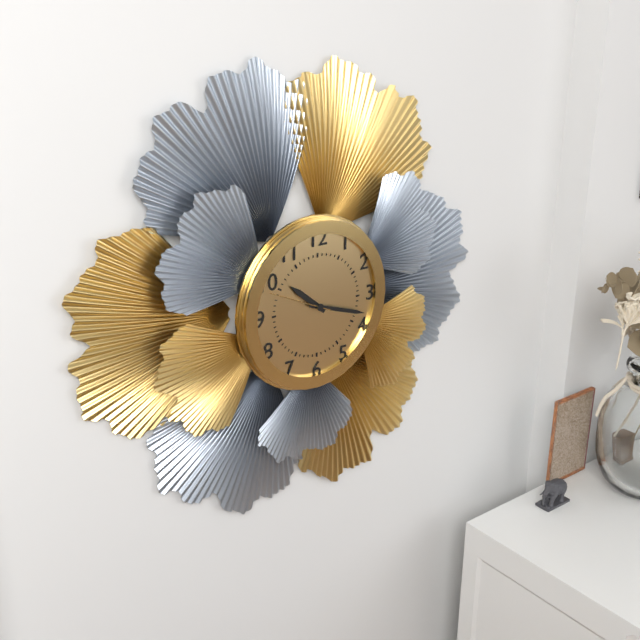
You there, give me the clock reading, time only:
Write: 10:18
